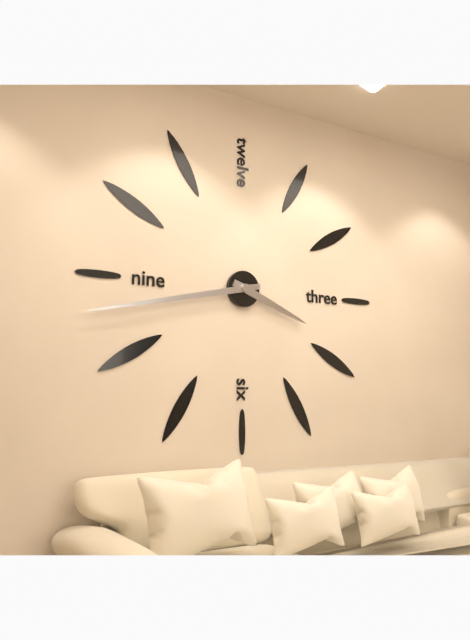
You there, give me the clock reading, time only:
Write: 3:43
